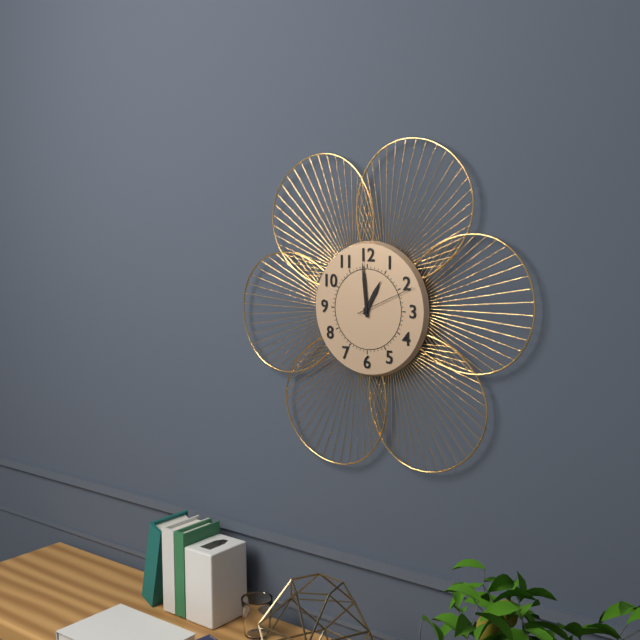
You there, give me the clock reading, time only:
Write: 12:59:11
